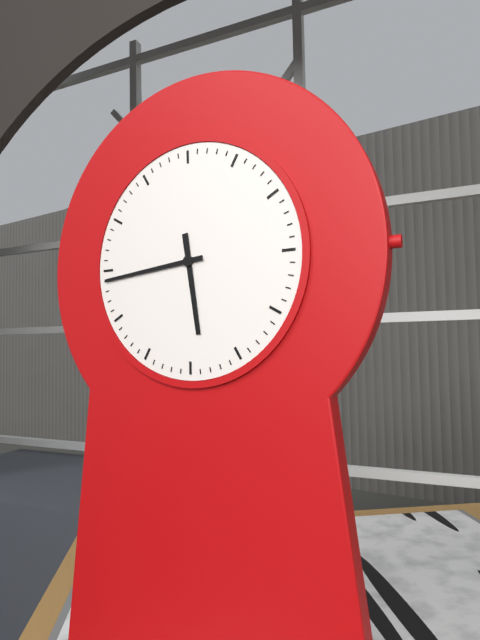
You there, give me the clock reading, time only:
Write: 5:44
